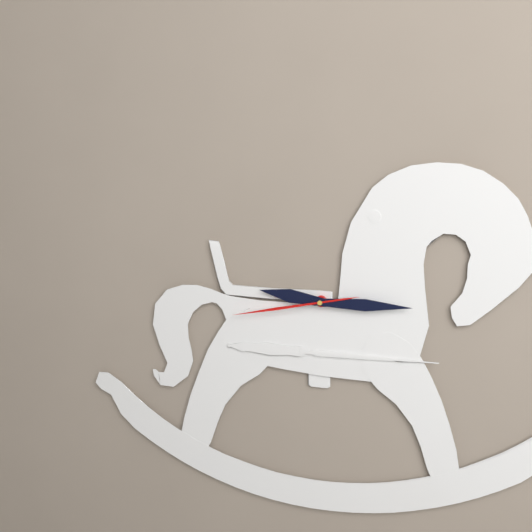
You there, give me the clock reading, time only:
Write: 9:15:43
